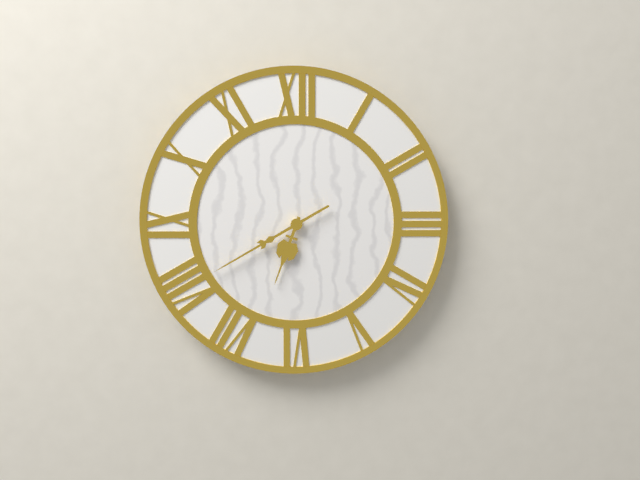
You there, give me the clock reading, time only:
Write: 6:40
